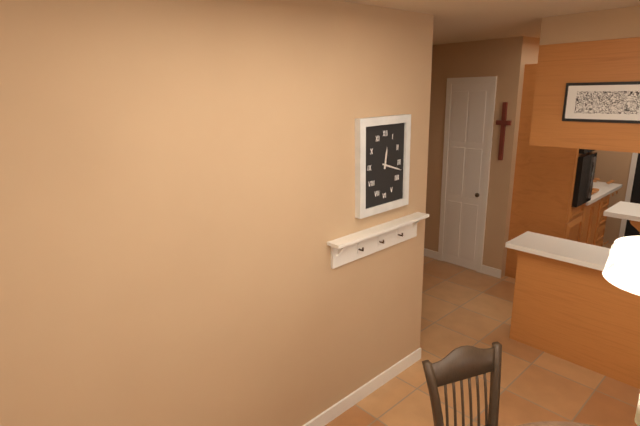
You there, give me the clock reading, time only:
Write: 12:18
